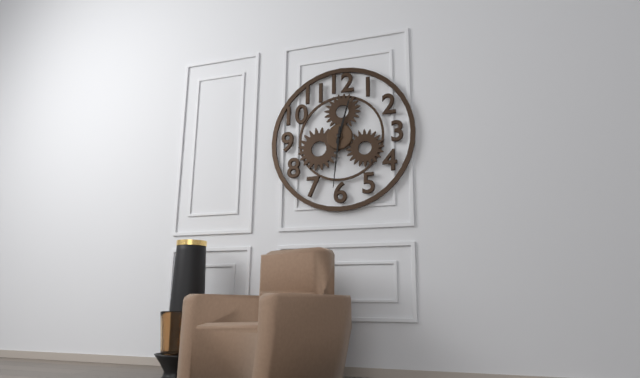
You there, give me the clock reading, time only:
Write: 12:31
